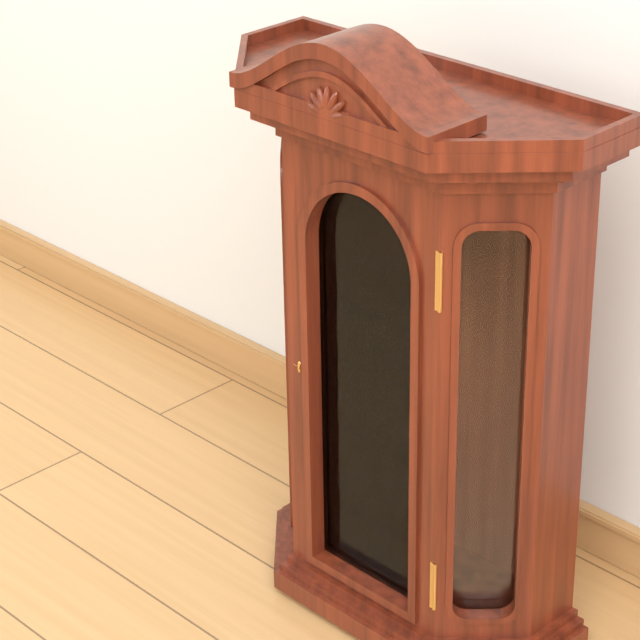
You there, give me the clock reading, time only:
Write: 5:03
